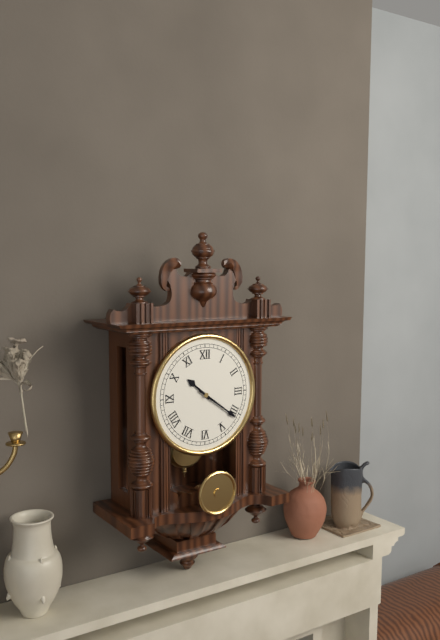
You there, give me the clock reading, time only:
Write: 10:21
